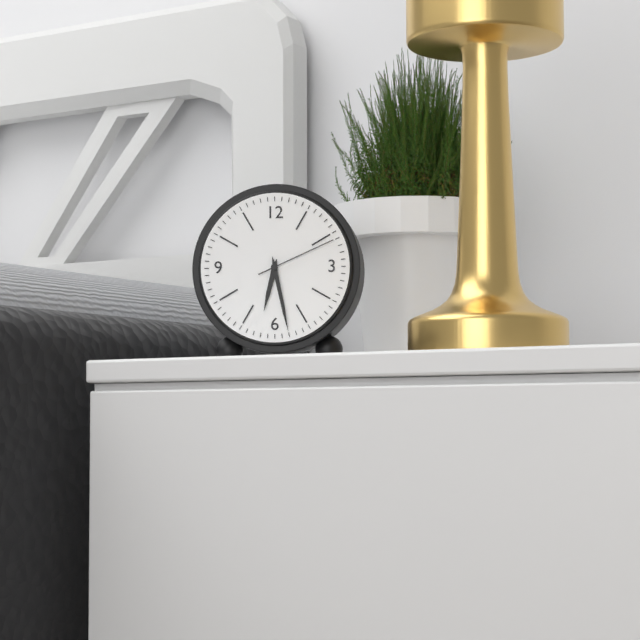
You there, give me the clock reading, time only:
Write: 6:28:11
